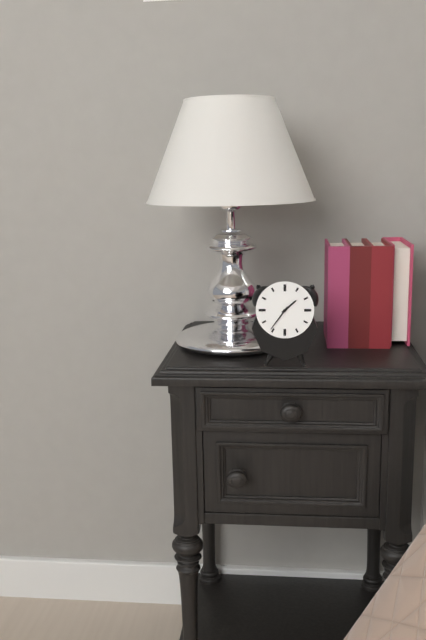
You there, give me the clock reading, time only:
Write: 1:36
